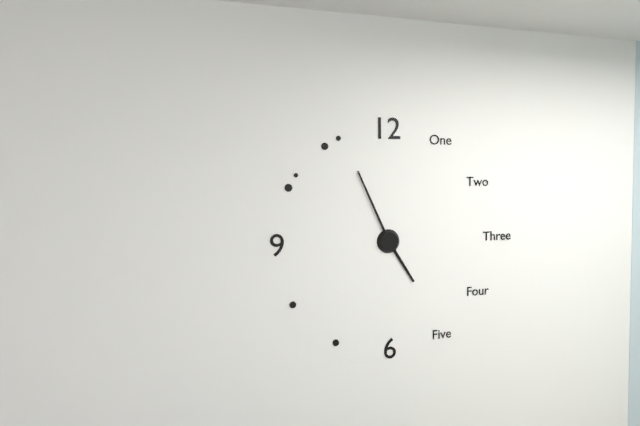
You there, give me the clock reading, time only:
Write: 4:56
